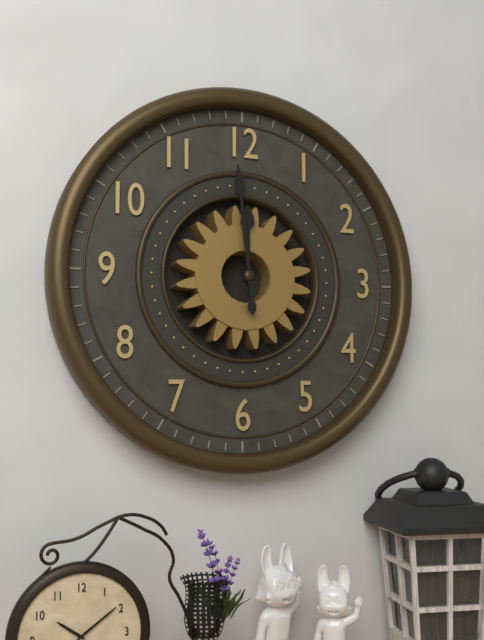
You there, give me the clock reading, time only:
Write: 11:59
